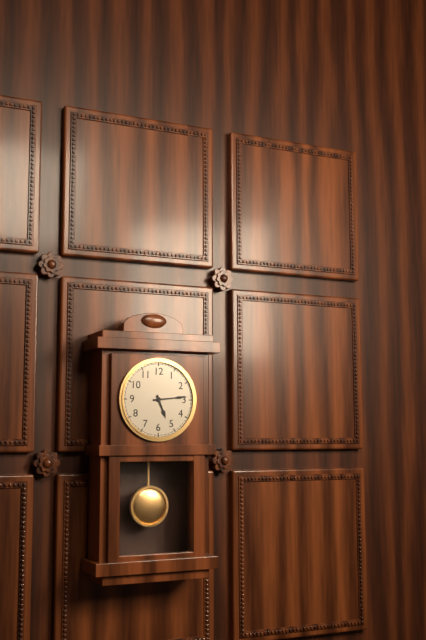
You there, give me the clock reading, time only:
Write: 5:14
